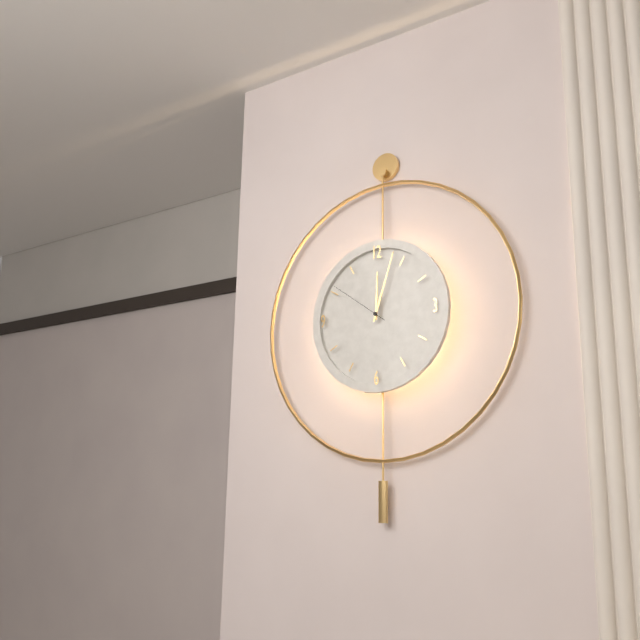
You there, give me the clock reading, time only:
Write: 12:03:51
